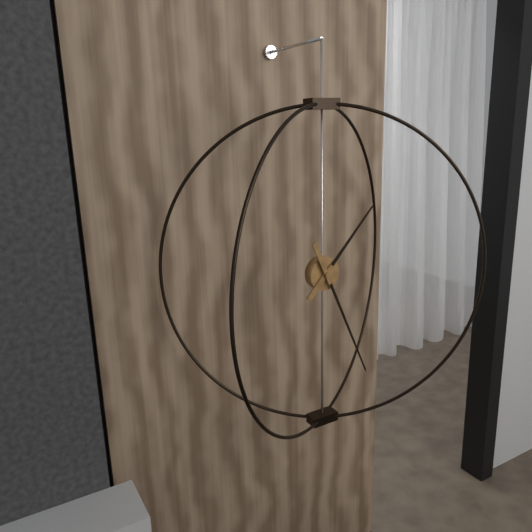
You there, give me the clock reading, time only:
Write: 1:26
